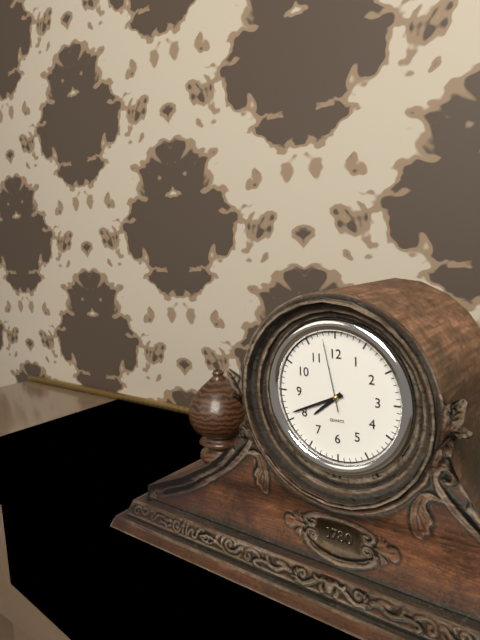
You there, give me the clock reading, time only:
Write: 7:41:58
